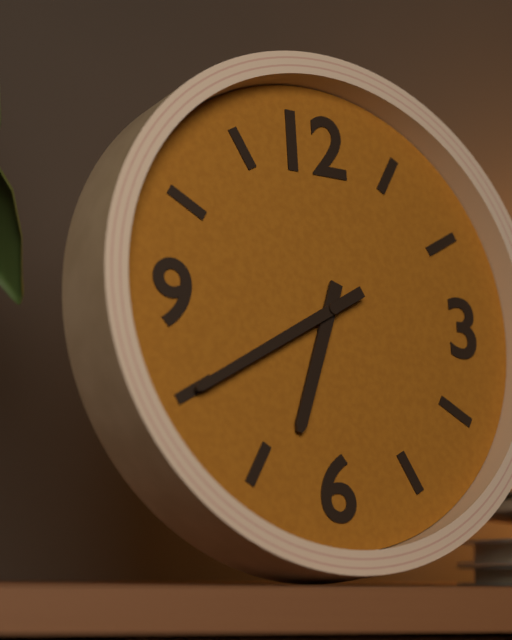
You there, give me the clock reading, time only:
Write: 6:40
